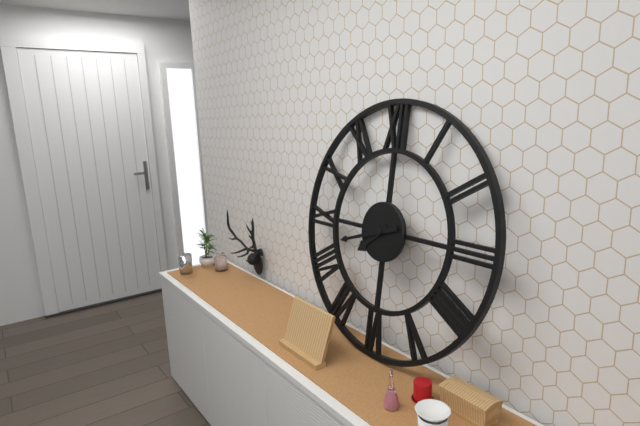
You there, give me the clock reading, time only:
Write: 7:42
